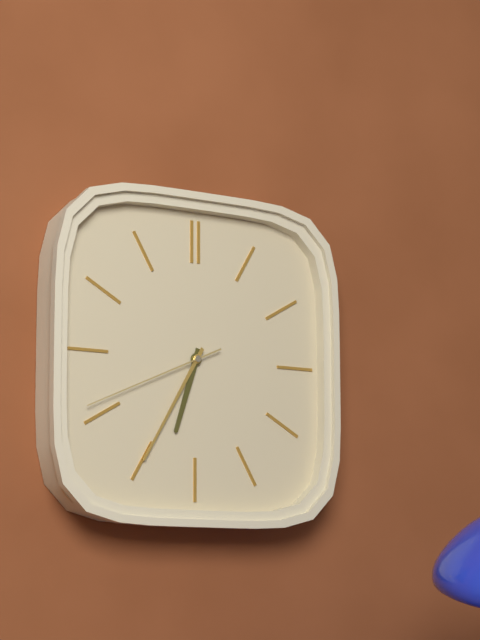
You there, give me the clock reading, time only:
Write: 6:35:41
